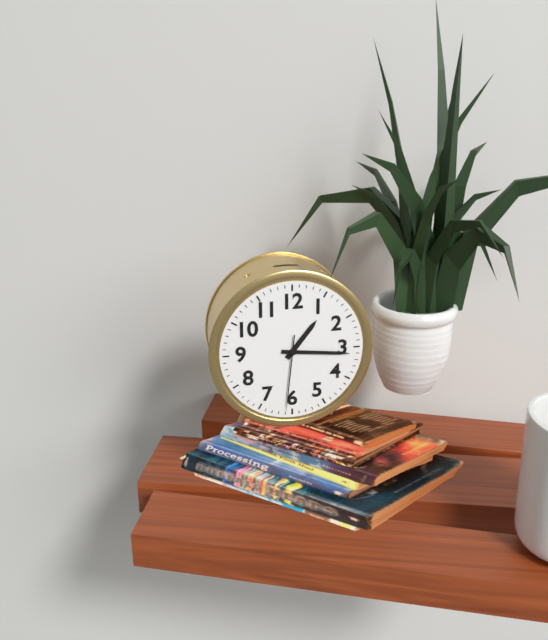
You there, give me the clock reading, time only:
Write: 1:16:31
